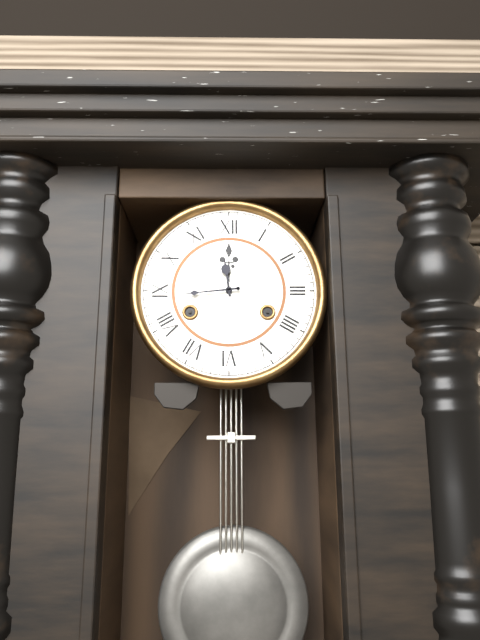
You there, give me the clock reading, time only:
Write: 11:44
